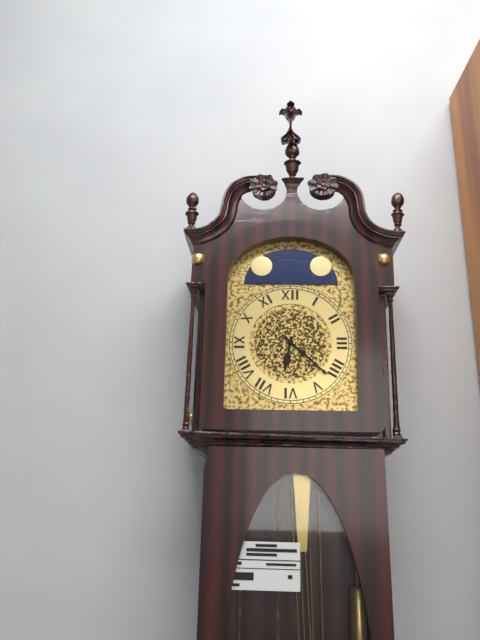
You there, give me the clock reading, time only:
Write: 6:22
